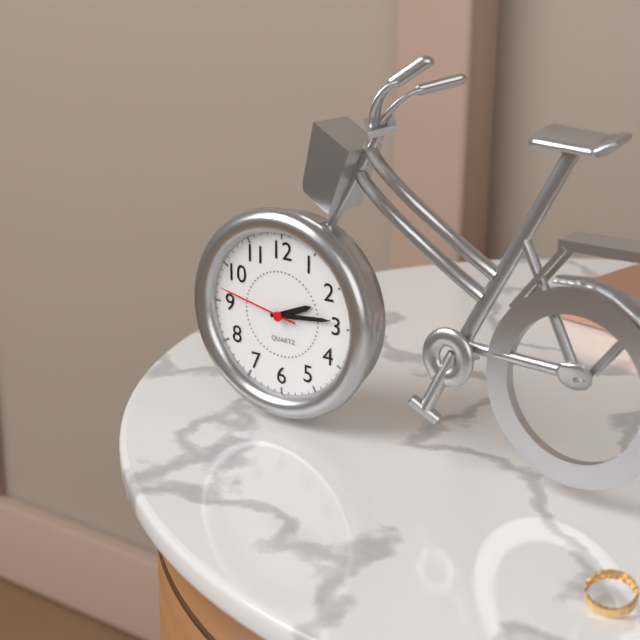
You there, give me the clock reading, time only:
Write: 2:14:47
